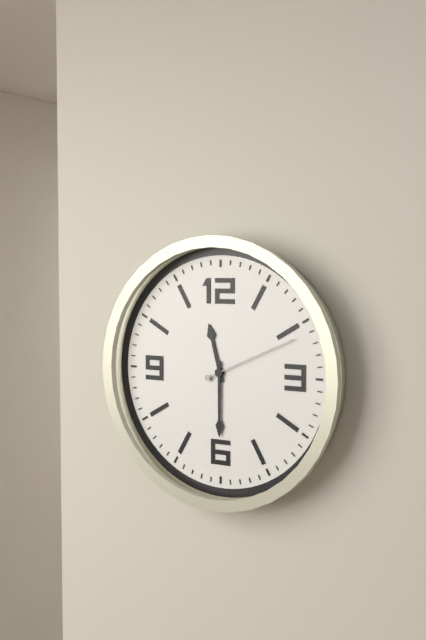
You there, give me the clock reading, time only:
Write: 11:30:11
